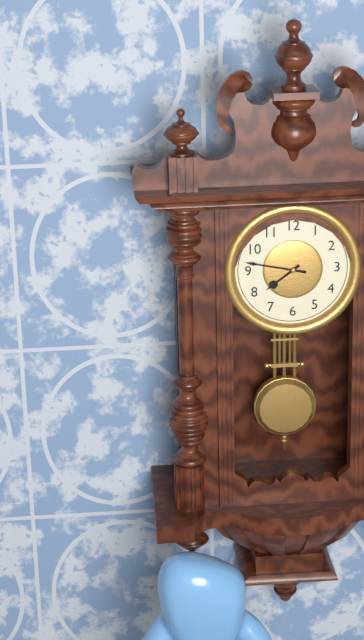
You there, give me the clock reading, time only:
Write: 7:47
